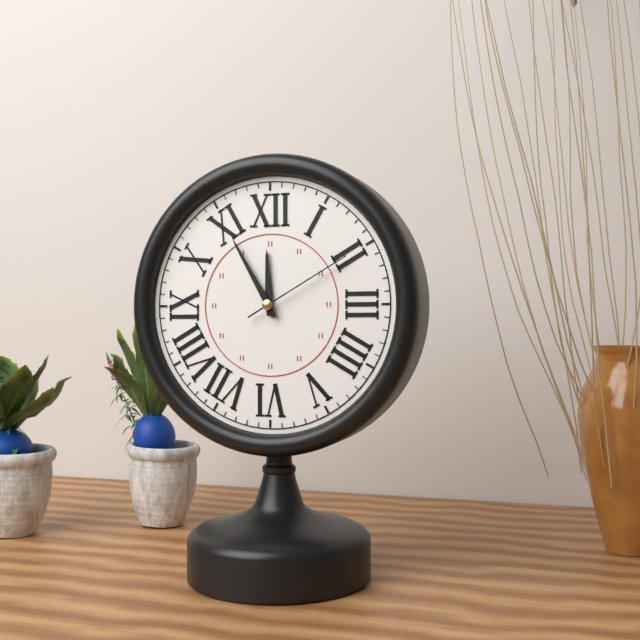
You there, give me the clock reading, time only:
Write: 11:55:10
